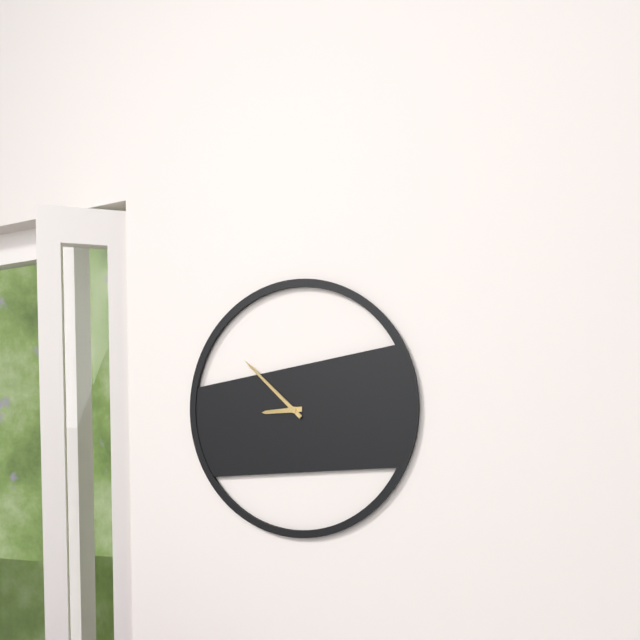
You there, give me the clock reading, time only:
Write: 8:52
